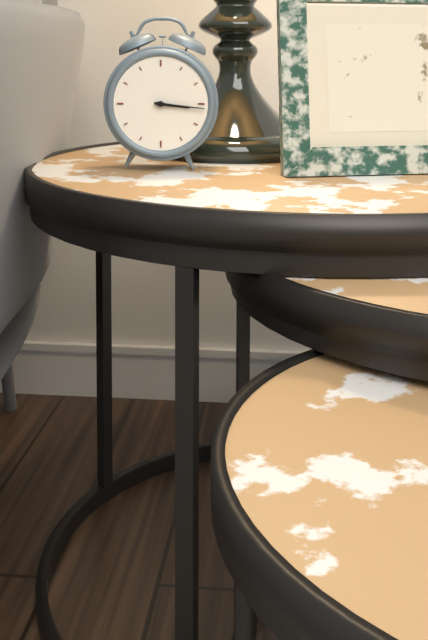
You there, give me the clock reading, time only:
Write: 3:16
